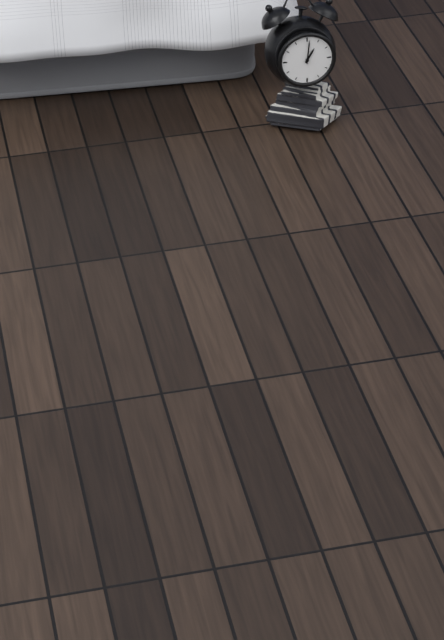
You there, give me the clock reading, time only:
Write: 1:01
